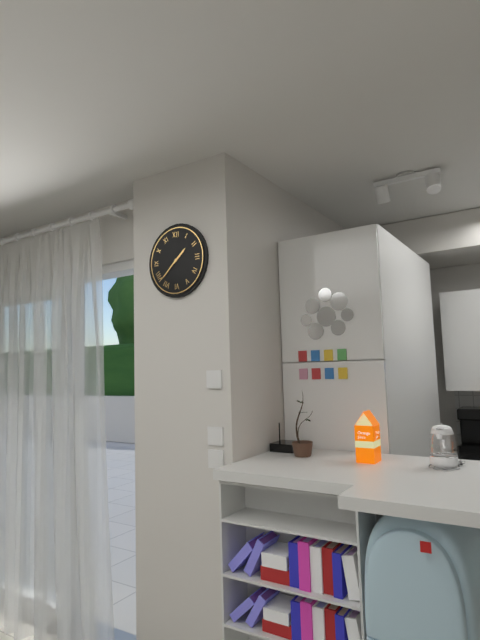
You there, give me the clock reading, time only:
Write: 1:38
